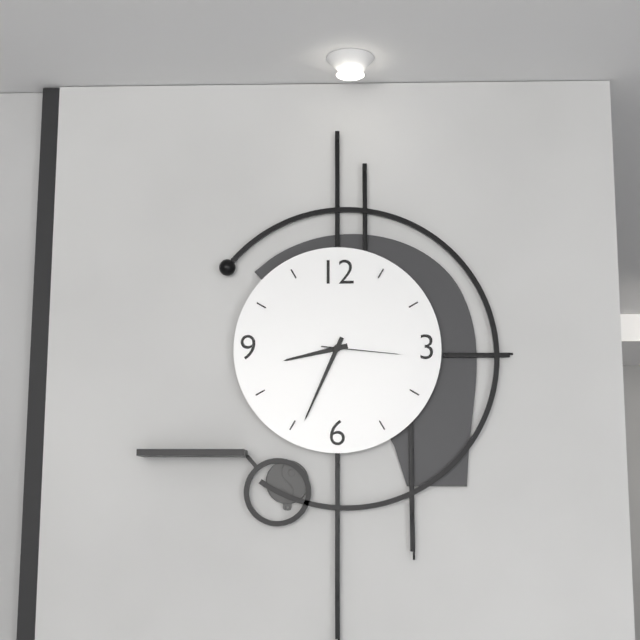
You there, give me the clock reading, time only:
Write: 8:34:16
